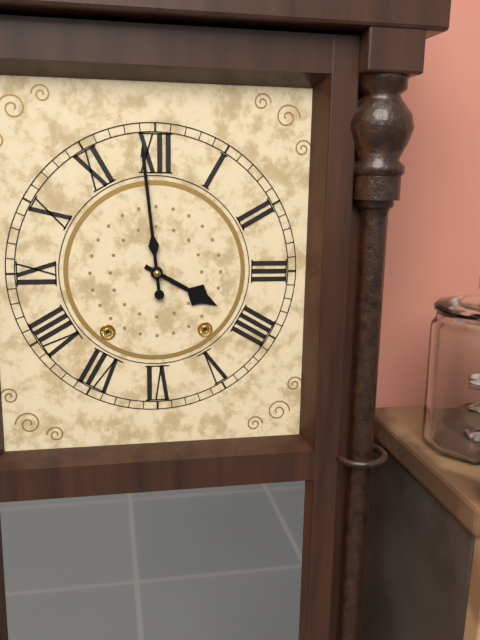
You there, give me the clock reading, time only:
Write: 3:59
